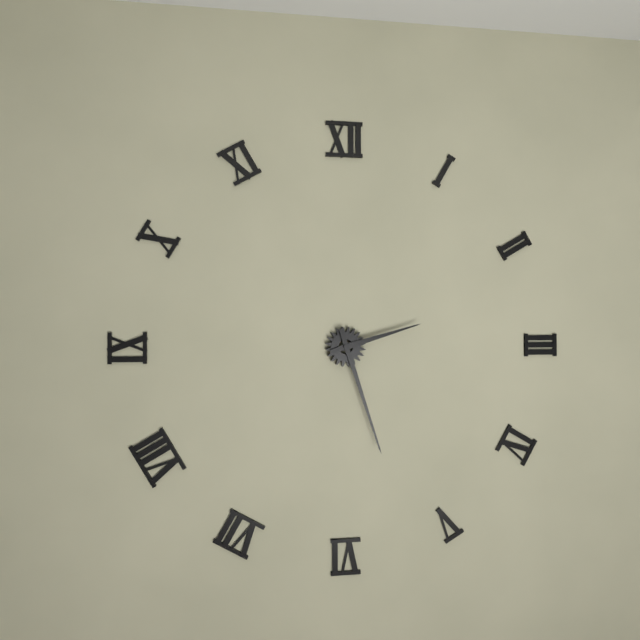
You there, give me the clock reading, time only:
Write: 2:27
